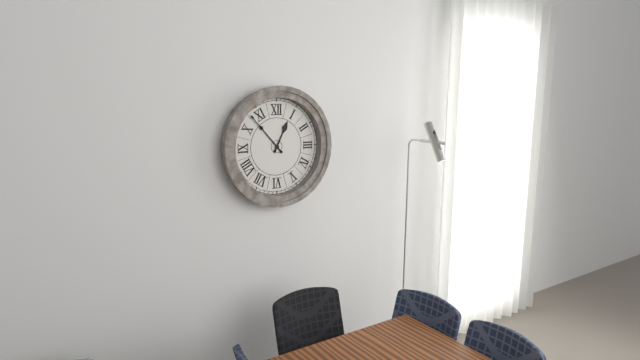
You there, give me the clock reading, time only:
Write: 12:53
